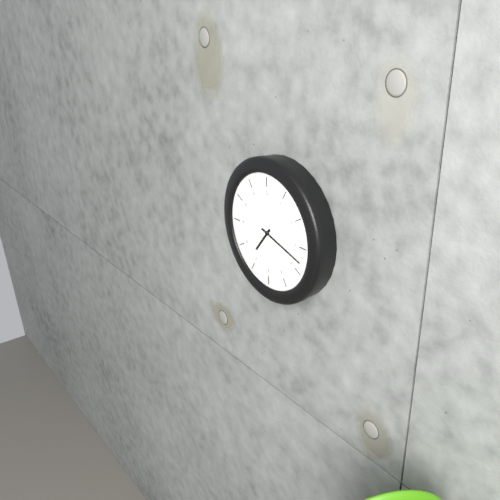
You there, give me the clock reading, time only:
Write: 7:18
